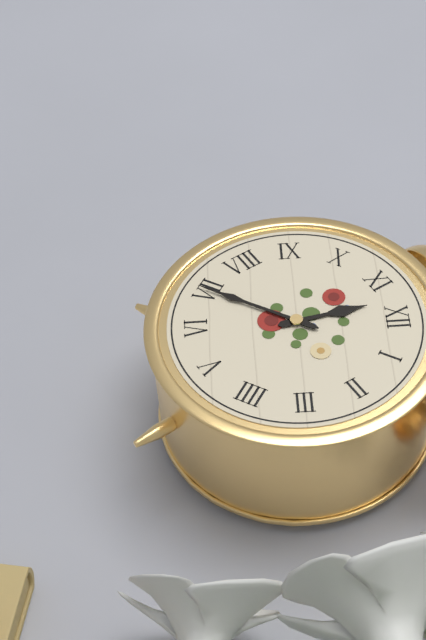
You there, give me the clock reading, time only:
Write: 11:35
